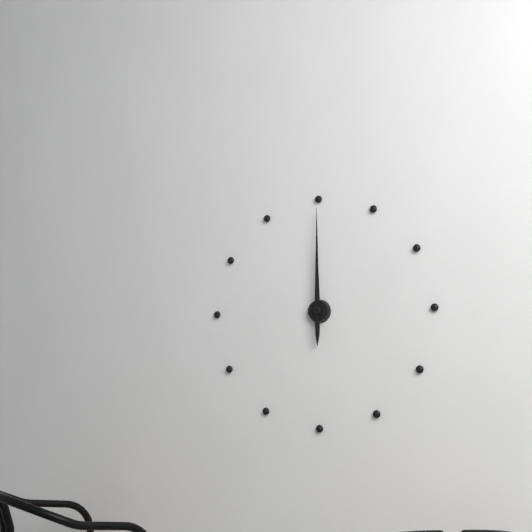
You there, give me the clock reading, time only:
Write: 12:00
